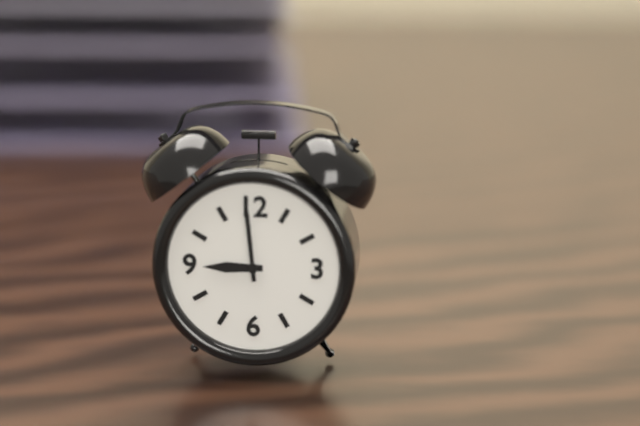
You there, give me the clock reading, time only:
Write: 8:59
